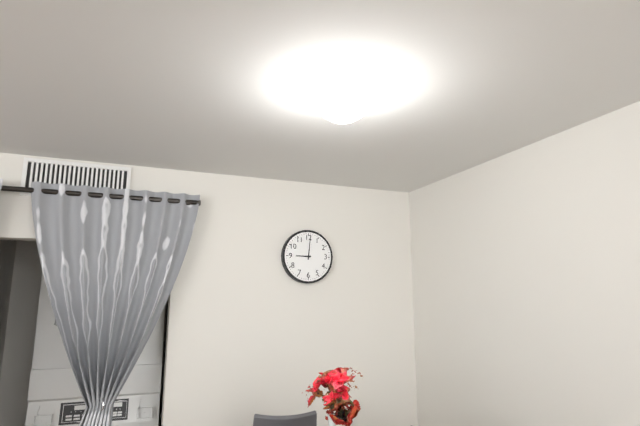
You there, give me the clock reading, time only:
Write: 9:01
